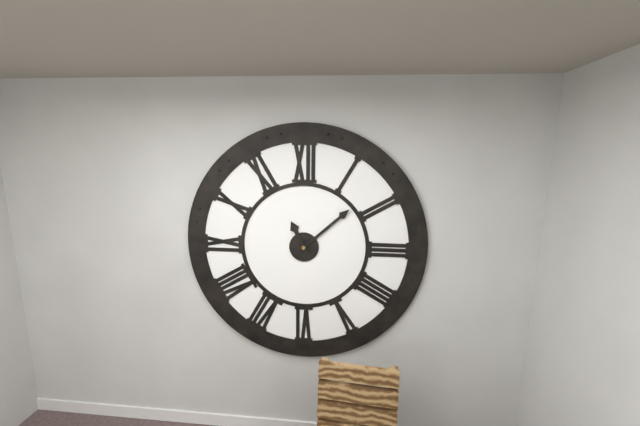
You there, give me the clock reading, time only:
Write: 11:08
